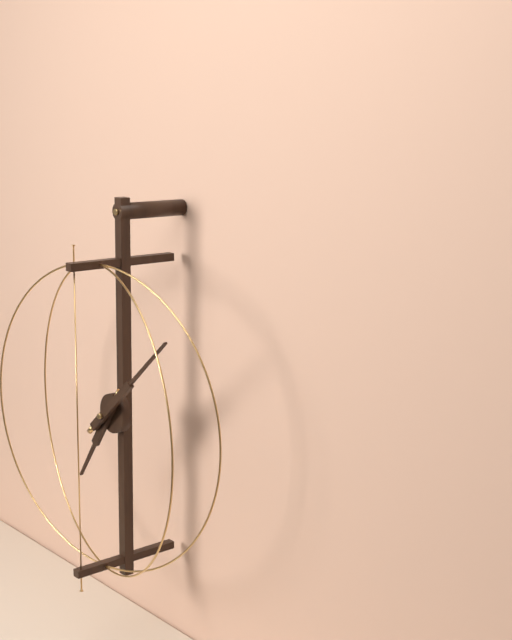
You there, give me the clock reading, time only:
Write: 7:08
